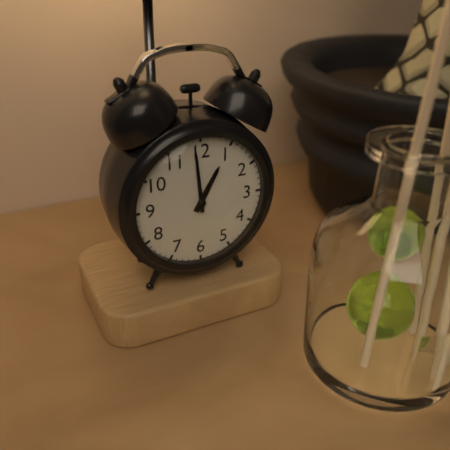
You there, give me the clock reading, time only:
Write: 12:59
